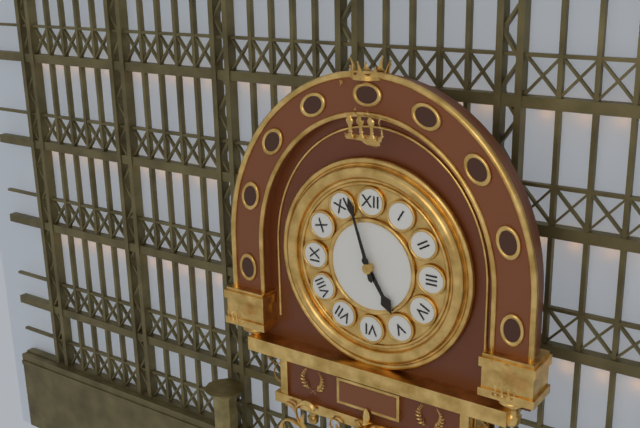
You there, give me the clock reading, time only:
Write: 4:57
